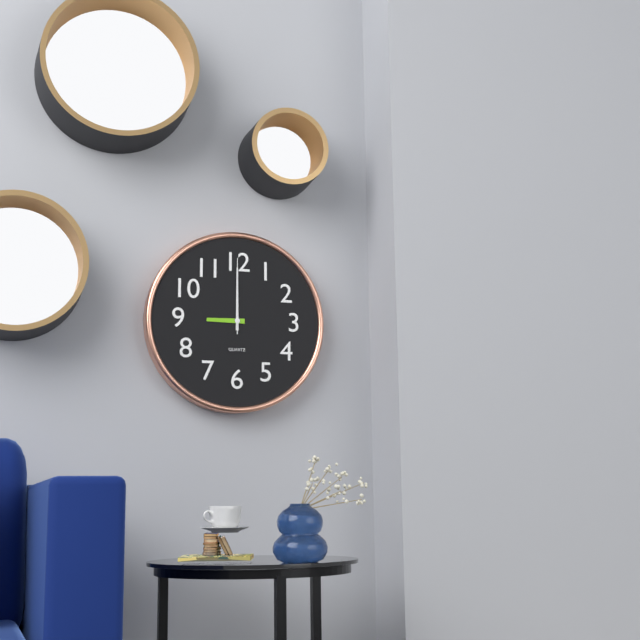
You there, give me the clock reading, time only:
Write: 9:00:00
